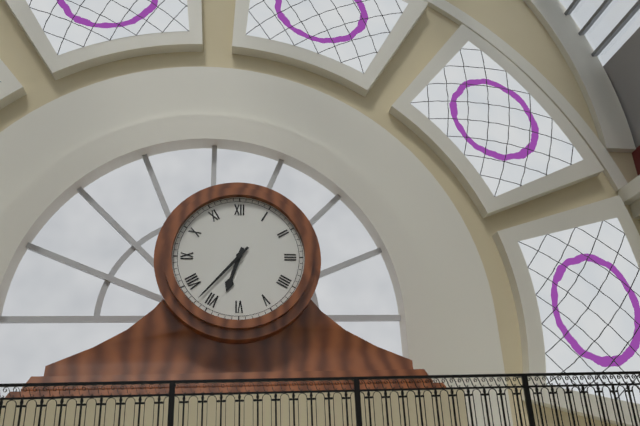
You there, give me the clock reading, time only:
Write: 6:37
